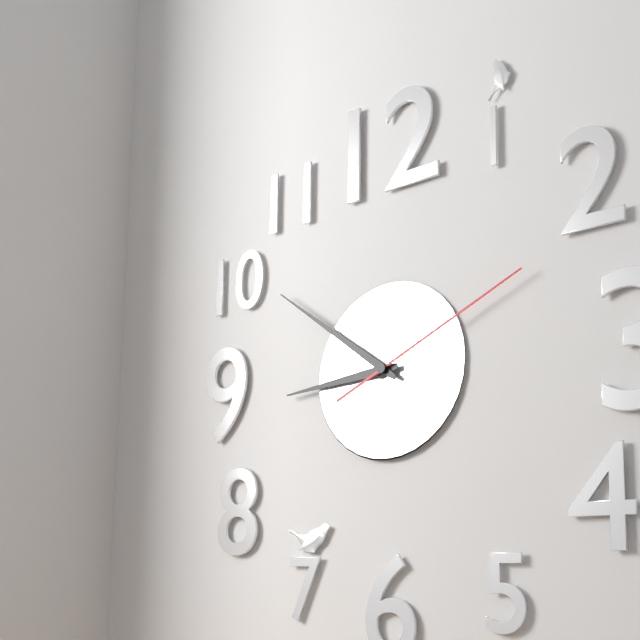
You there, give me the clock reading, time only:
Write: 8:51:11
